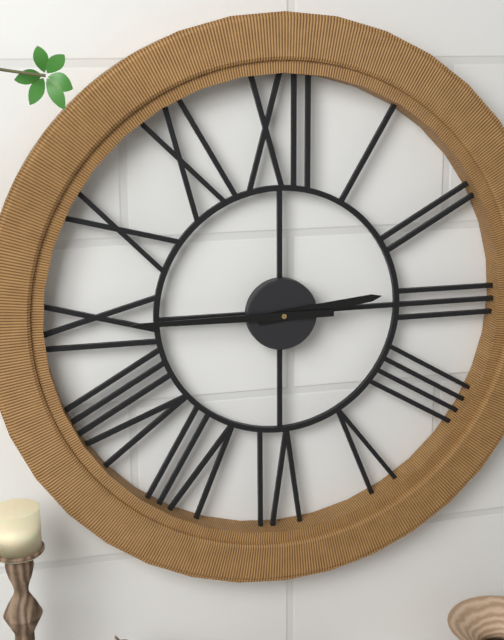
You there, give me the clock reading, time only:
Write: 2:45
